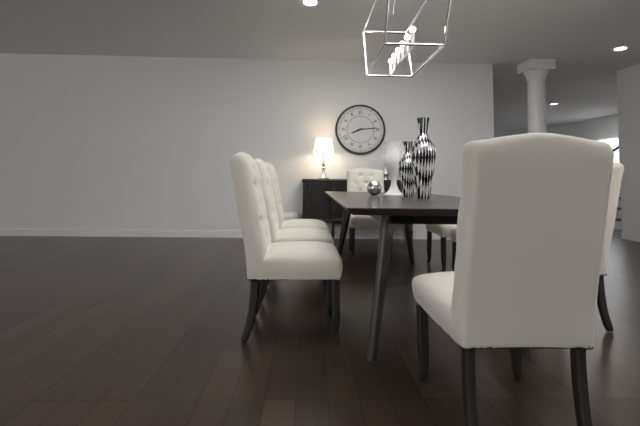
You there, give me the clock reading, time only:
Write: 8:14
